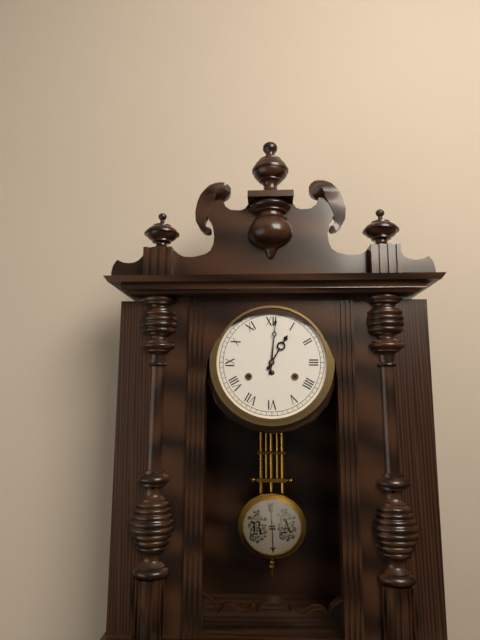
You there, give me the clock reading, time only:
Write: 1:01
